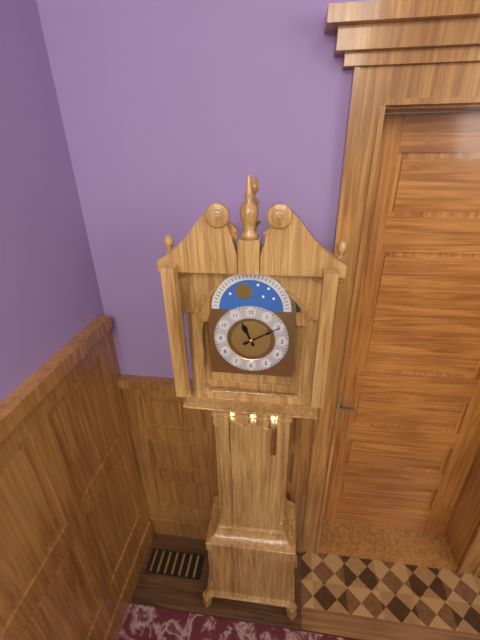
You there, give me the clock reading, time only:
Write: 11:10
